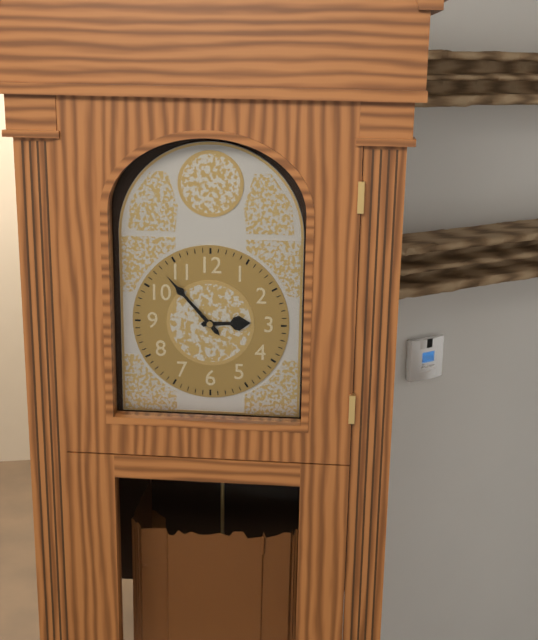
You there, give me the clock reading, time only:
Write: 2:53
